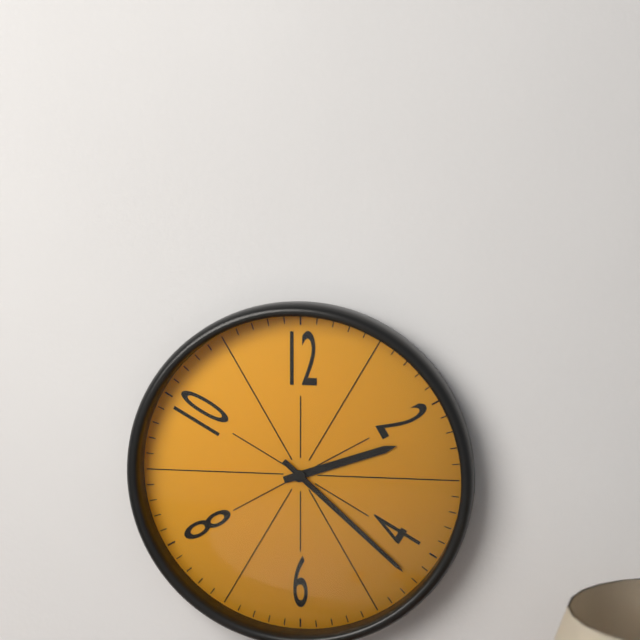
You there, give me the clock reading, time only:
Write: 2:22
